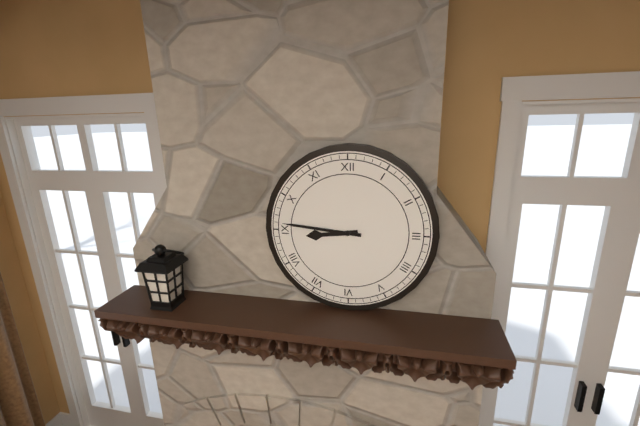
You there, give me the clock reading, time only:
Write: 8:46
